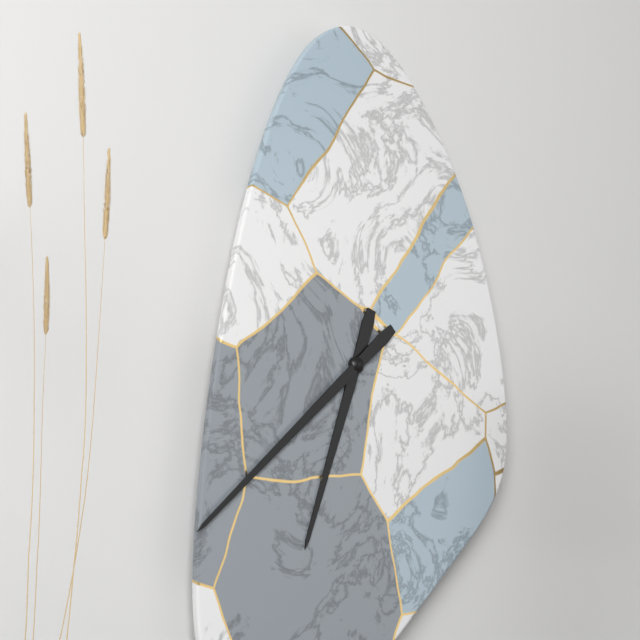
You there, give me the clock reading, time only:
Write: 6:38
